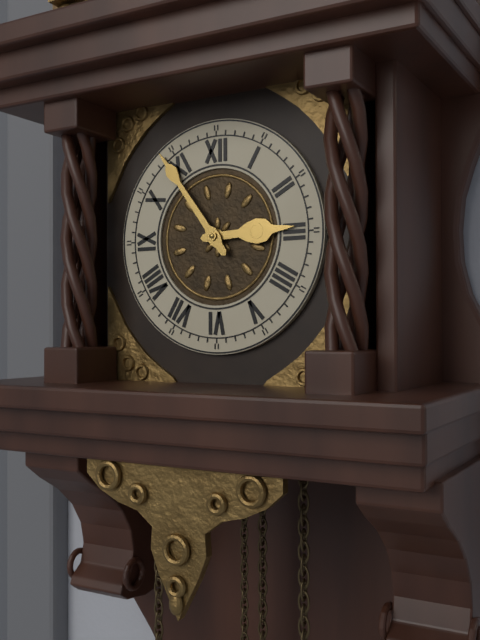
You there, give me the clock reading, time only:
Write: 2:54
